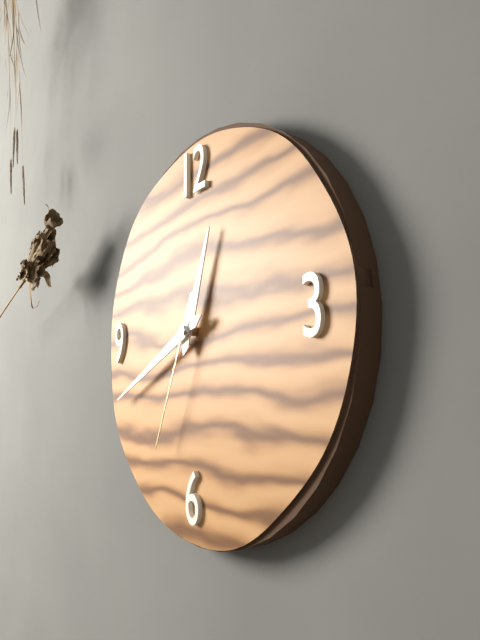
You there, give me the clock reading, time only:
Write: 12:41:34
